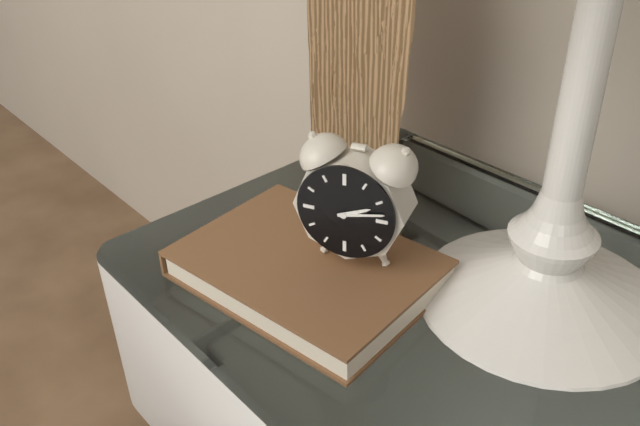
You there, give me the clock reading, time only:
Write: 2:13
